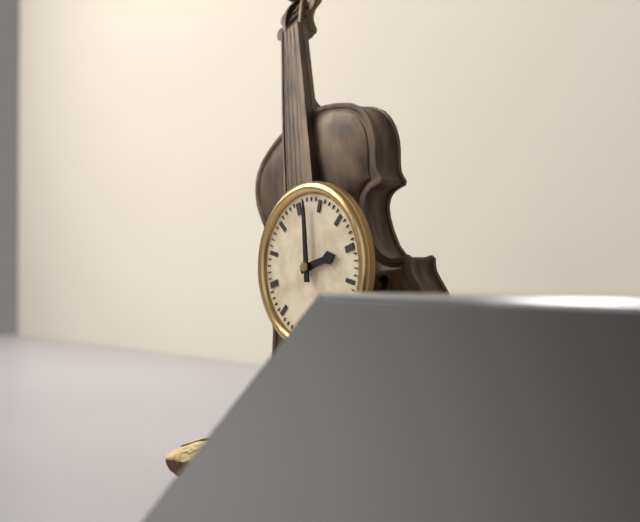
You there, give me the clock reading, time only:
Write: 3:02
